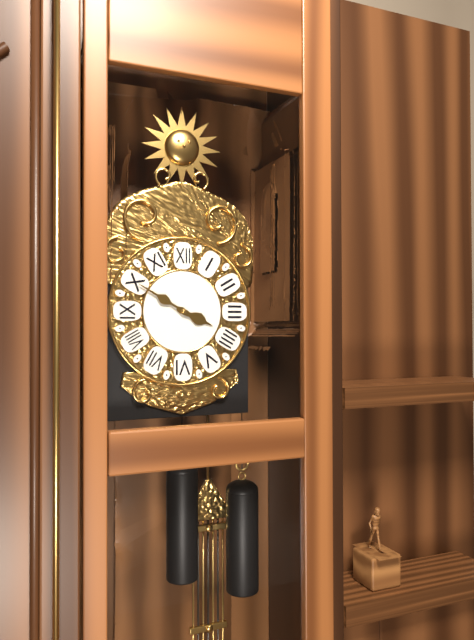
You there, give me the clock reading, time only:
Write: 3:50
